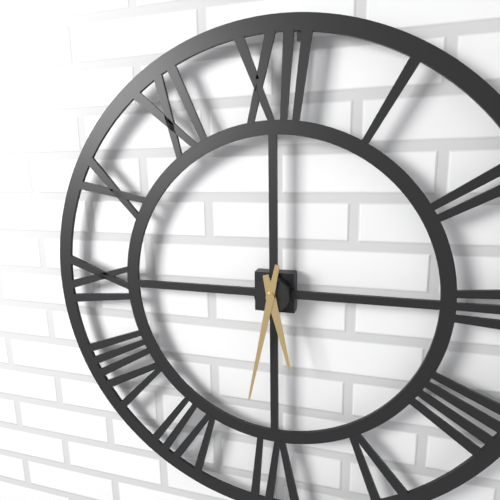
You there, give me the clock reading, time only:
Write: 5:32
